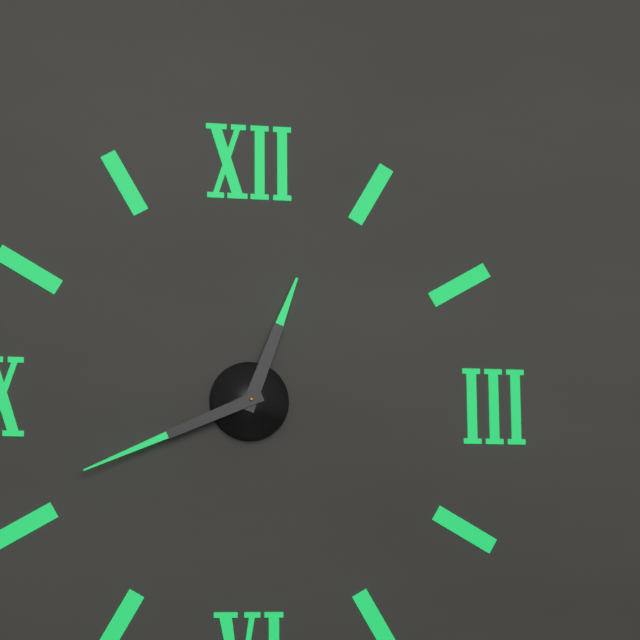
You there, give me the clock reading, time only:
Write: 12:41
